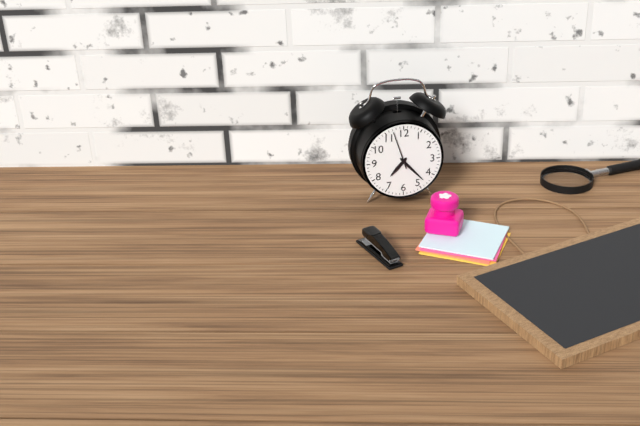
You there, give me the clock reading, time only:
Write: 7:23
